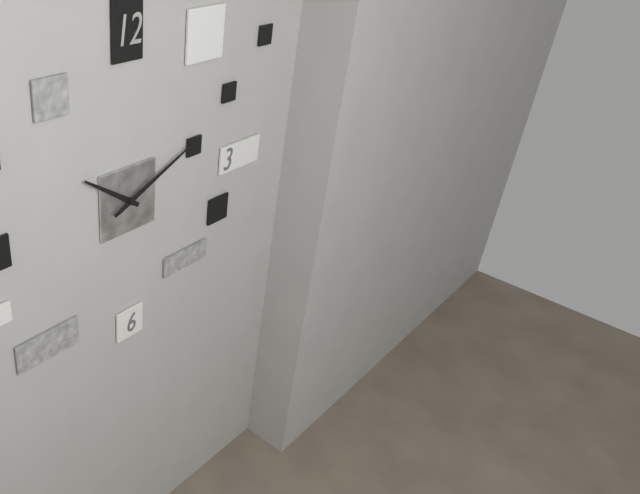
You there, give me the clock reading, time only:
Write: 10:11
